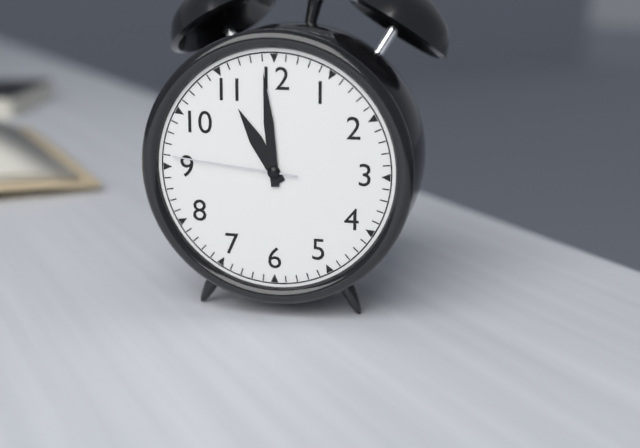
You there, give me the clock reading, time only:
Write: 10:59:46
